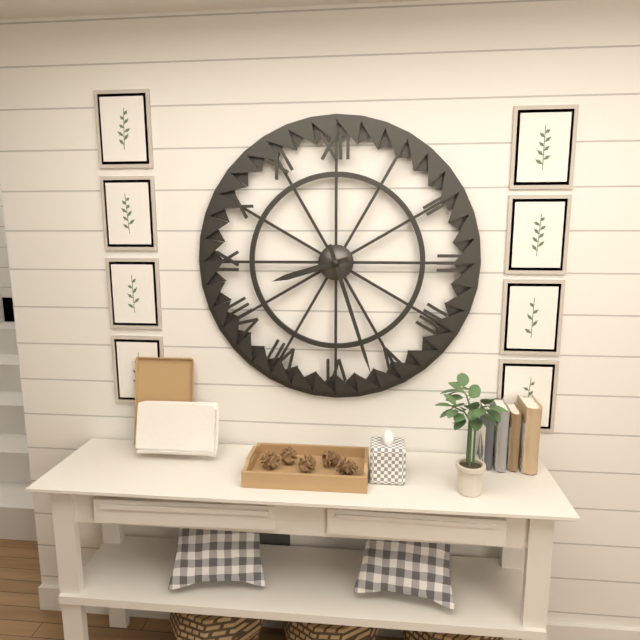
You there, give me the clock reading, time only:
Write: 8:27
